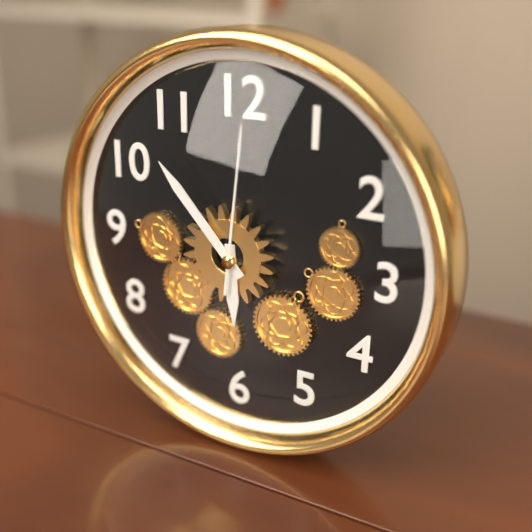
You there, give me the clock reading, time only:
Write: 5:53:01
